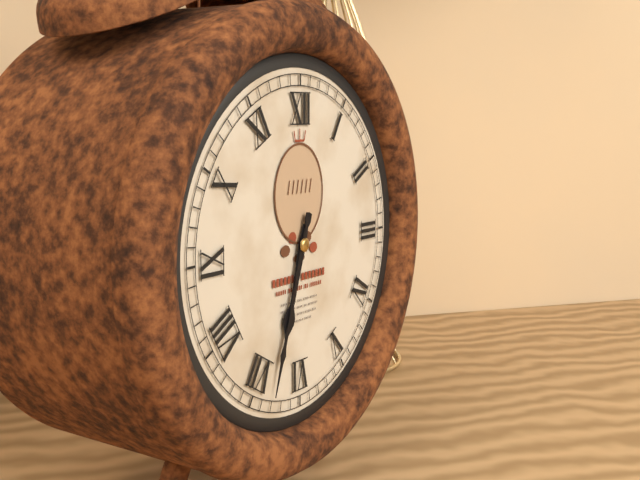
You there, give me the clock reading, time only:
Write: 6:33
